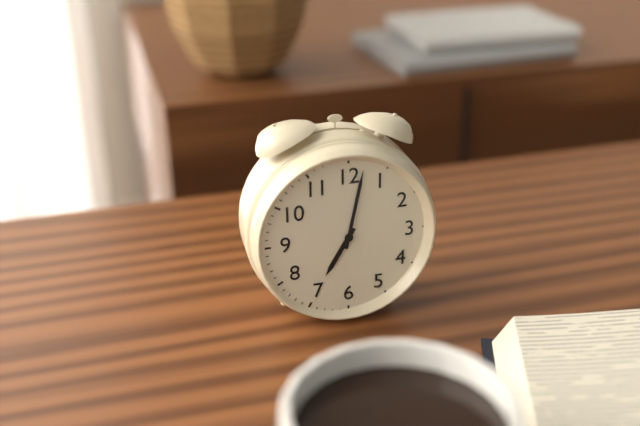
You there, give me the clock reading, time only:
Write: 7:02
